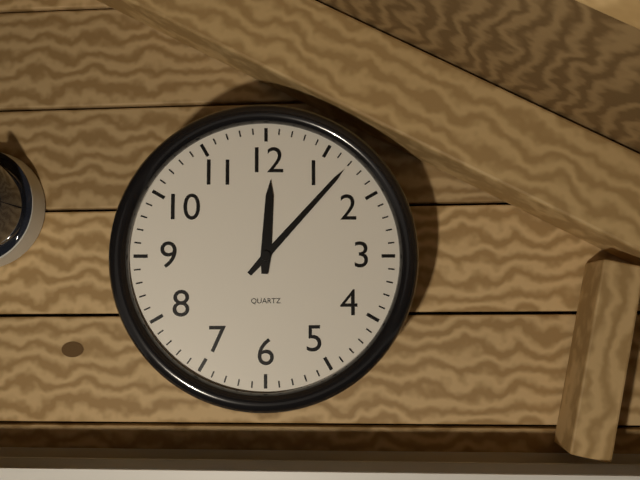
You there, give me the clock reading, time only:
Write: 12:07
